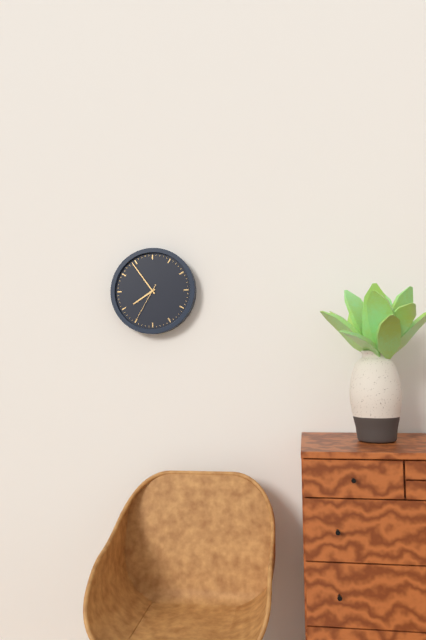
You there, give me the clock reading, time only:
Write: 7:54
